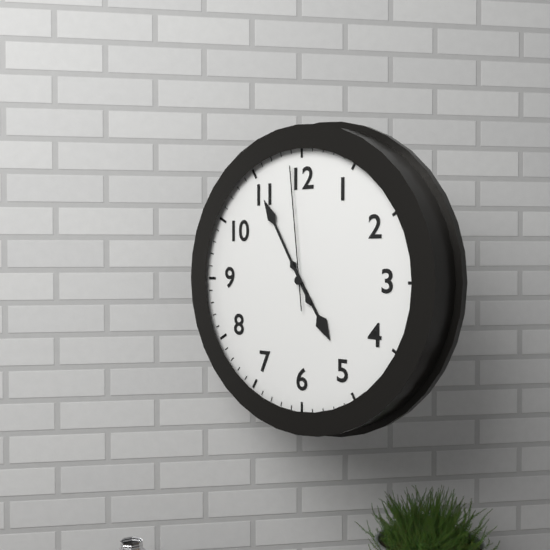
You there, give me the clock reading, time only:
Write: 4:55:59
